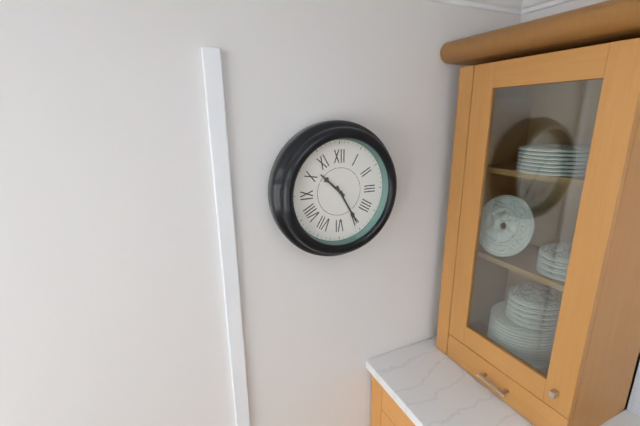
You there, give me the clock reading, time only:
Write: 10:25
